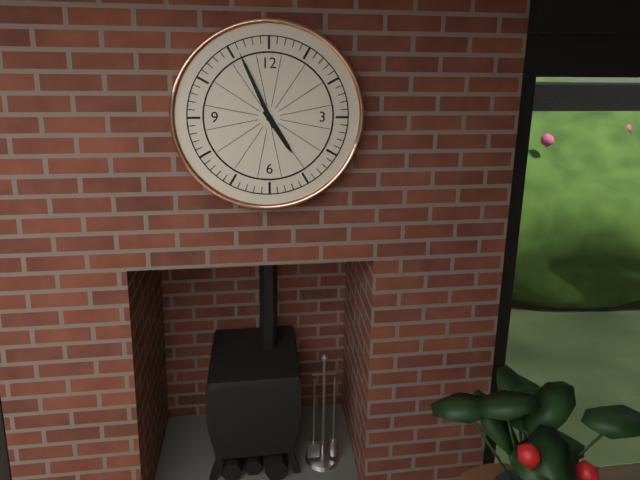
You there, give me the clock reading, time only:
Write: 4:56
